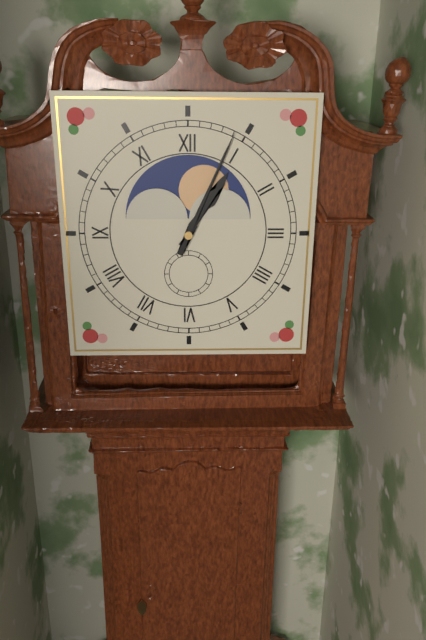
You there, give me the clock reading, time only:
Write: 1:04
